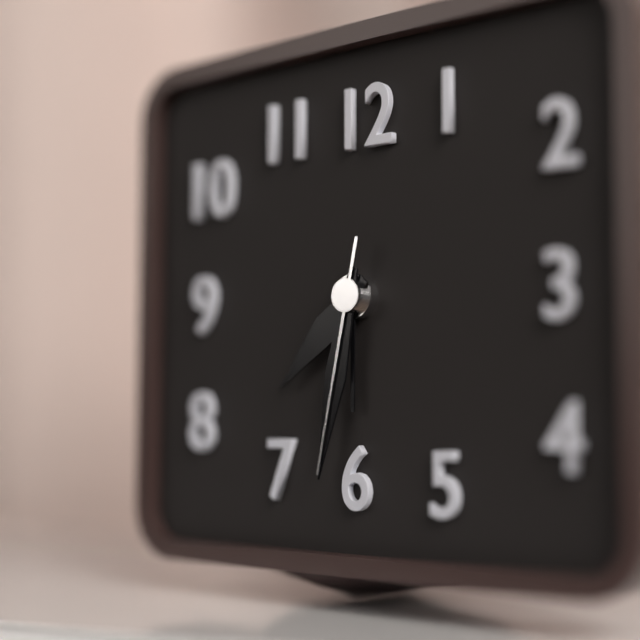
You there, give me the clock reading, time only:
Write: 7:32:32
